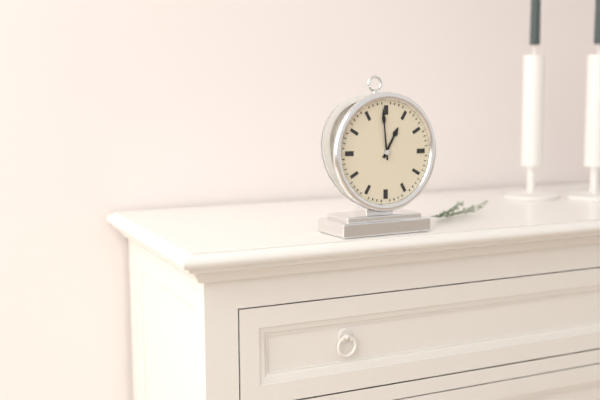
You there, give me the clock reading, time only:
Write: 12:59
